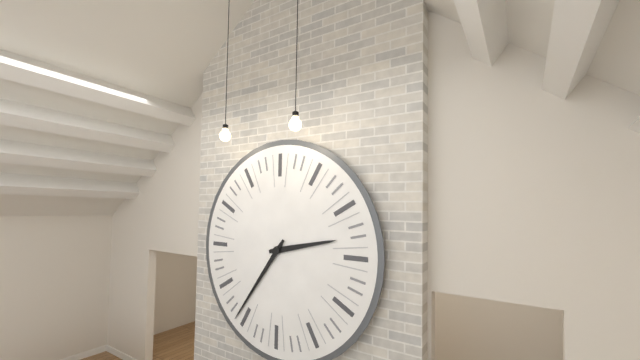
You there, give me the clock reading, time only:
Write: 2:36
